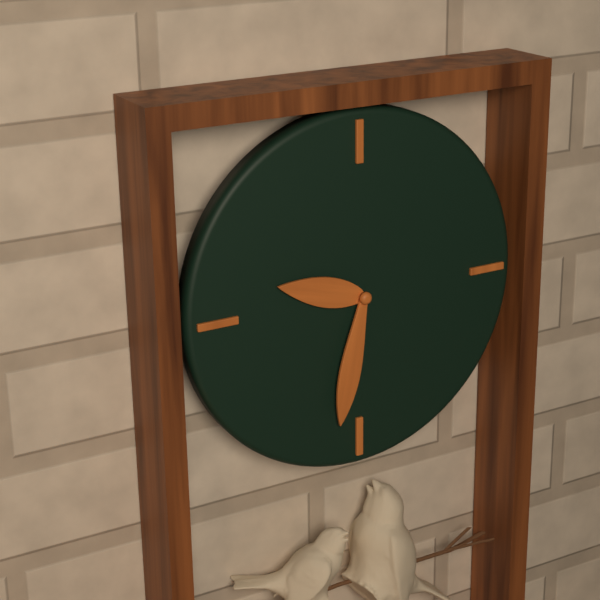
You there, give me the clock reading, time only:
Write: 9:32
